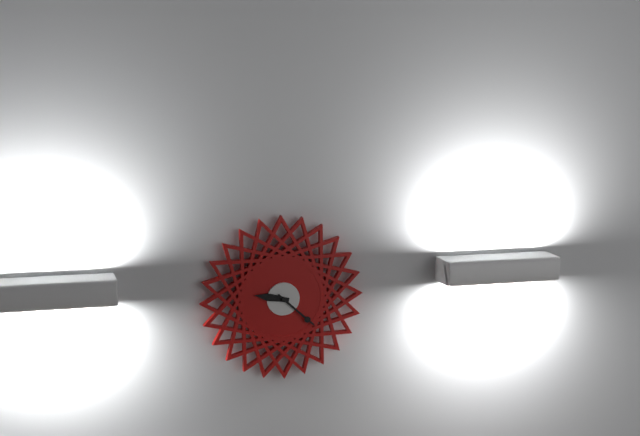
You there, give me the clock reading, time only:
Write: 9:22
